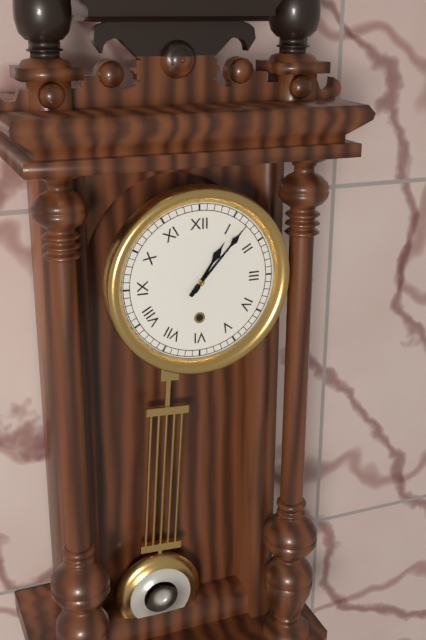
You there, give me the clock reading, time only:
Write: 1:07
